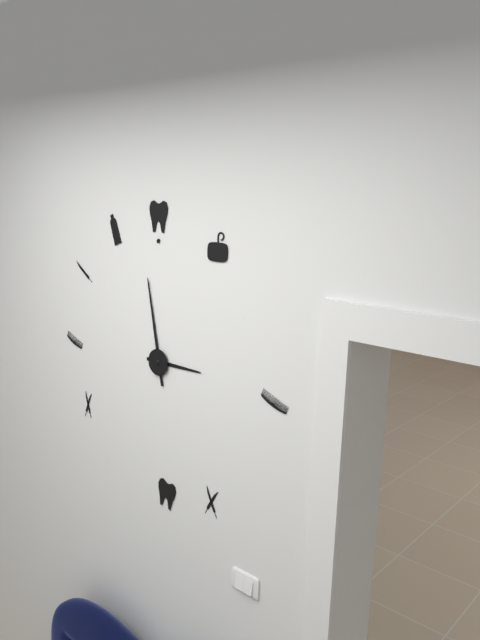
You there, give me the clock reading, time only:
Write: 2:58
